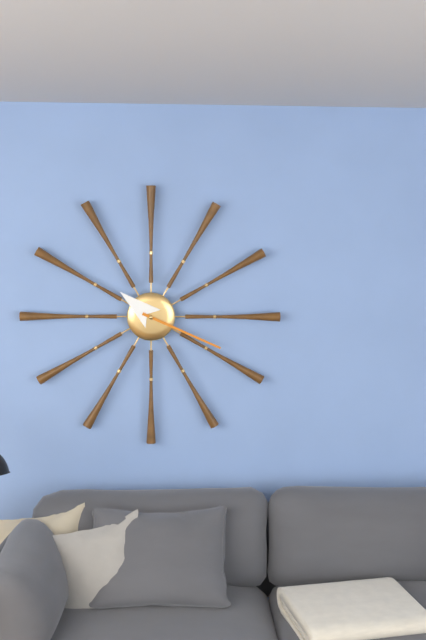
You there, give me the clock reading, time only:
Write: 10:19
